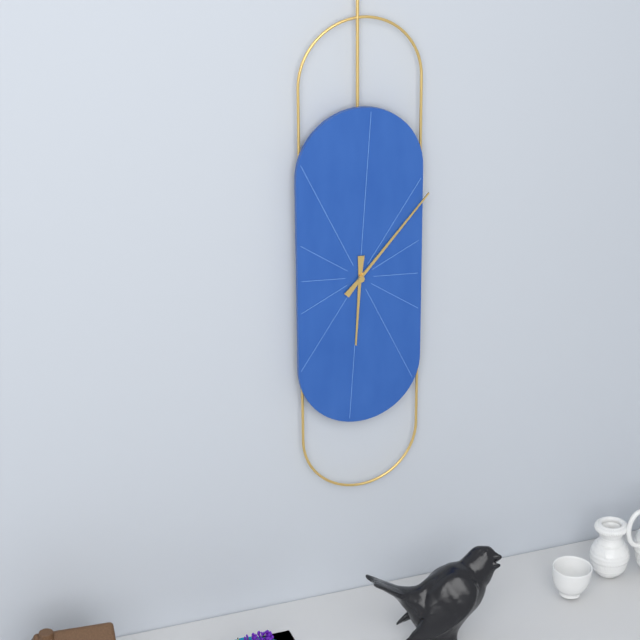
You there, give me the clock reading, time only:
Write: 6:07
